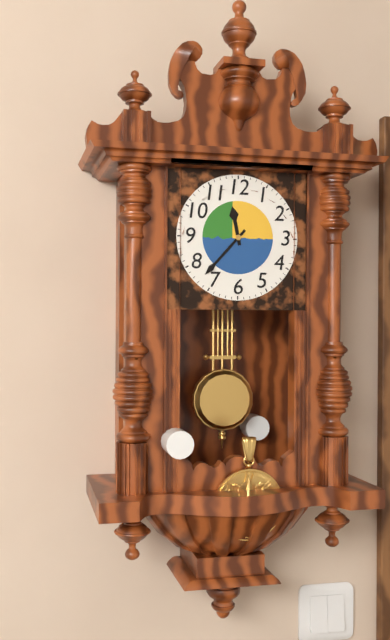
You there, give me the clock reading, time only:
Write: 11:37
